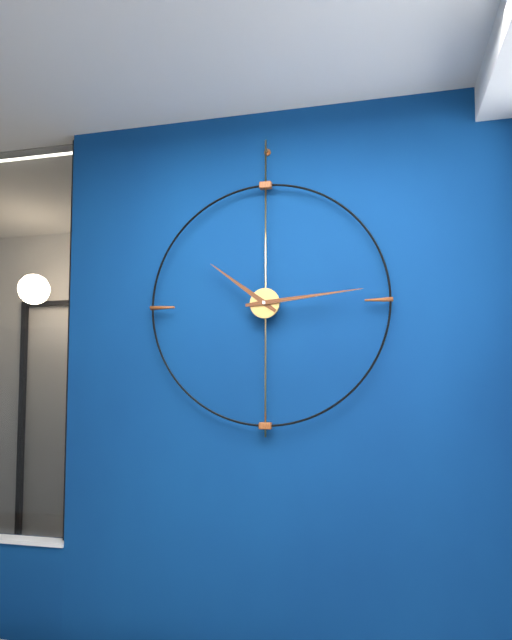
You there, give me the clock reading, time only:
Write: 10:14
